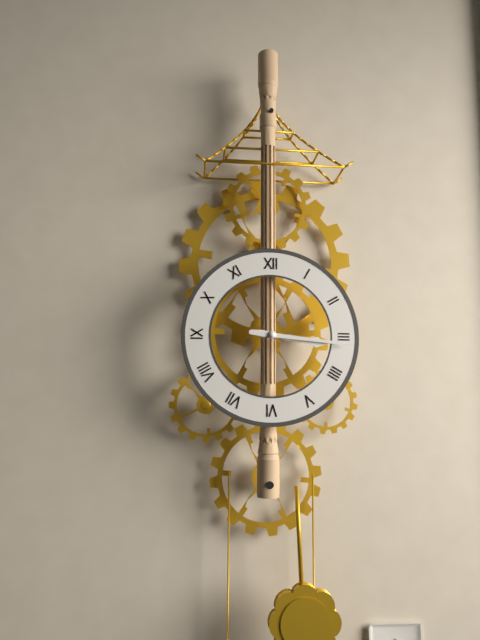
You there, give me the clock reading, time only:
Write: 3:16
